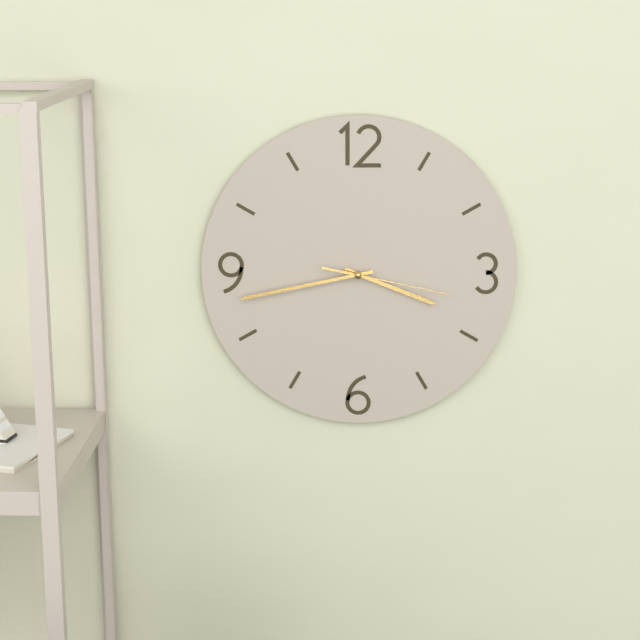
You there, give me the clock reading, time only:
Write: 3:43:17
